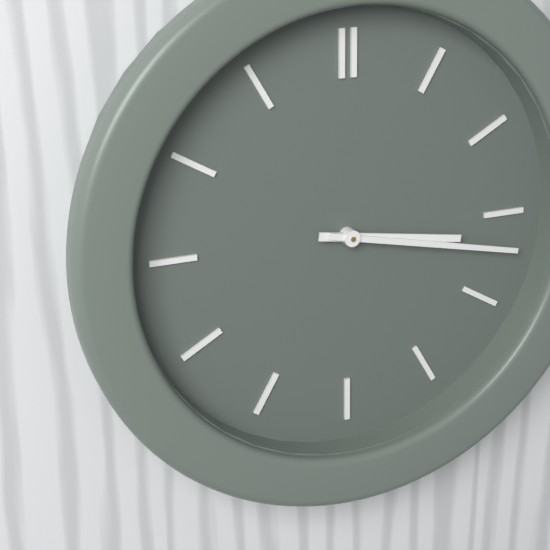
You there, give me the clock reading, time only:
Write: 3:17
